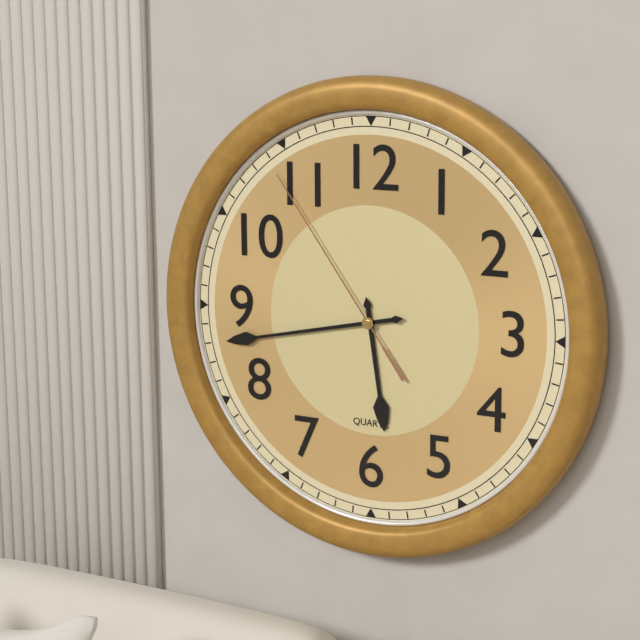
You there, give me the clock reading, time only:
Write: 5:43:54
